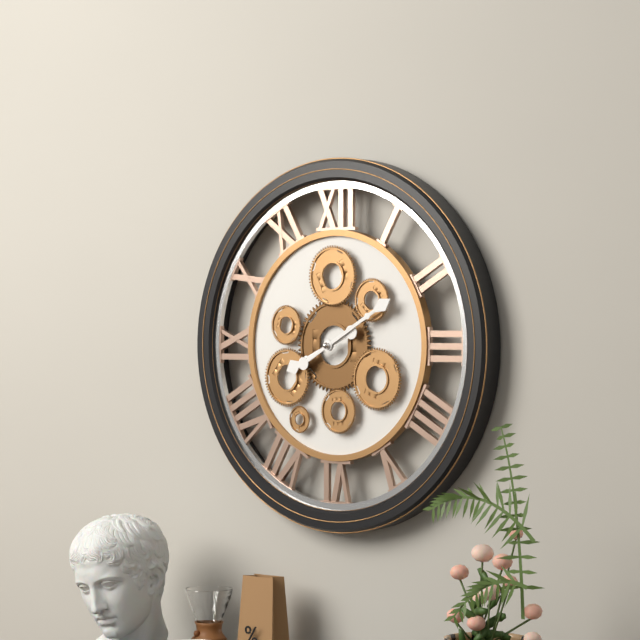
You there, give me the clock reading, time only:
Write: 8:10
